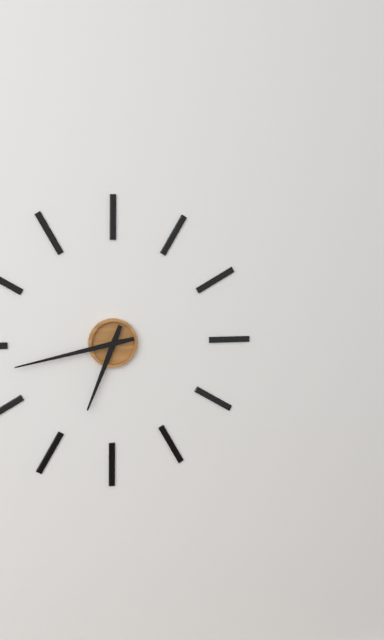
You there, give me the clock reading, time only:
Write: 6:43
